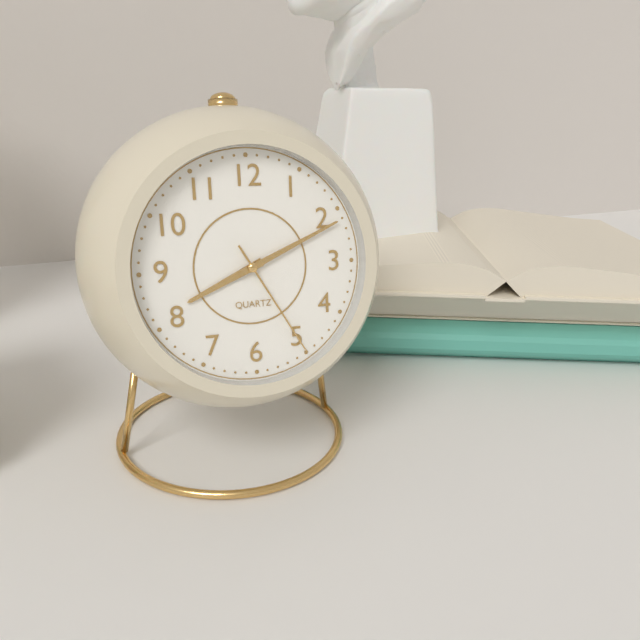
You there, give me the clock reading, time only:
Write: 8:11:25
